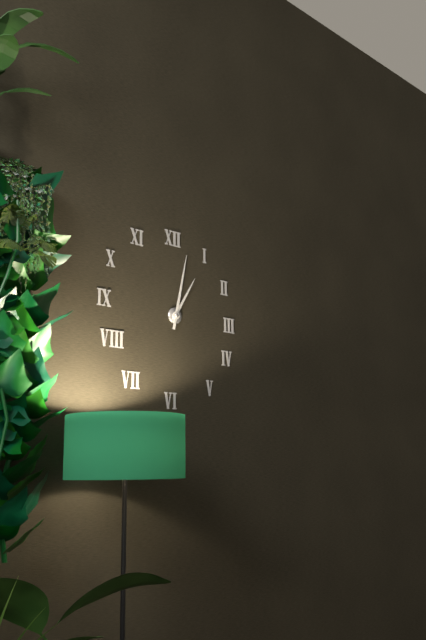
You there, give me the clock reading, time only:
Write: 1:02
